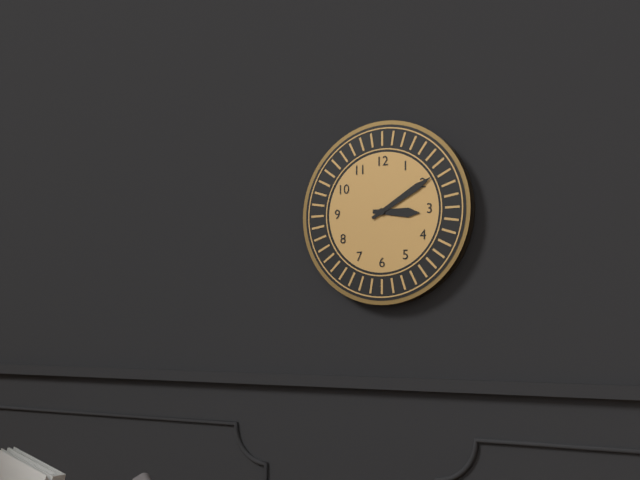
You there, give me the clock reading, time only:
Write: 3:10
